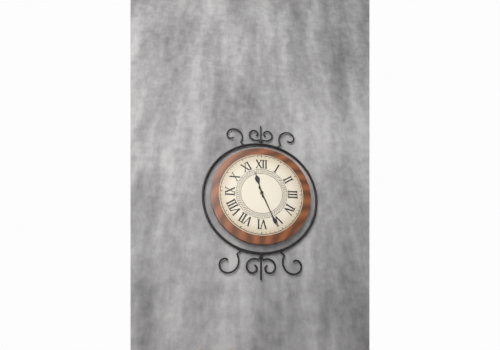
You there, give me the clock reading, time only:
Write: 11:26
